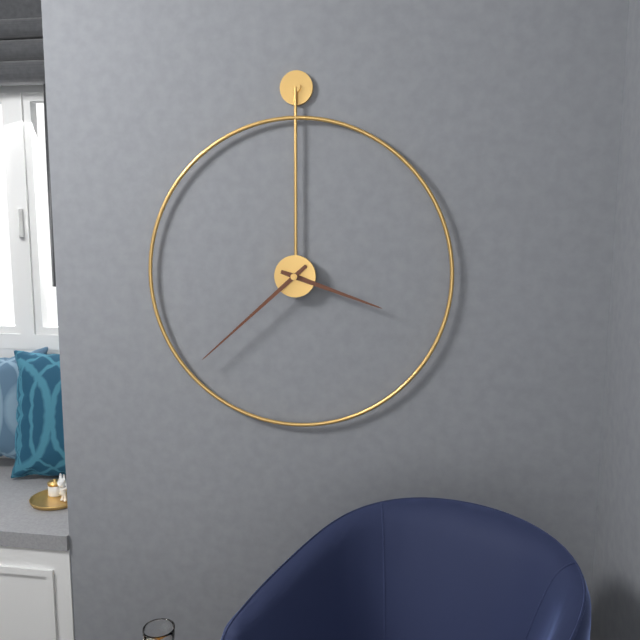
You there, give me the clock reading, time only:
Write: 3:38
